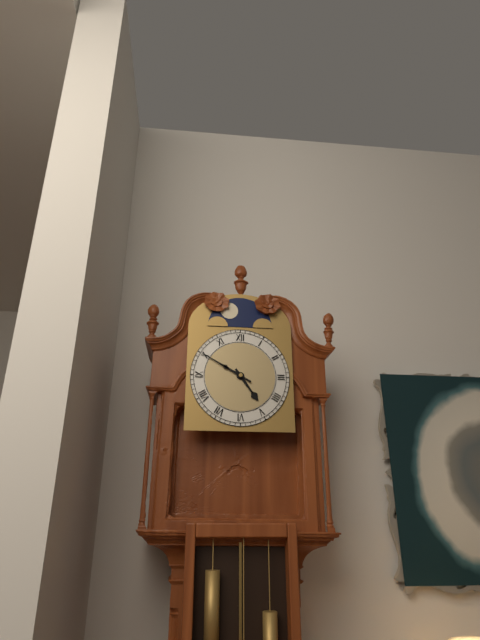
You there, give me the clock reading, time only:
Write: 4:50
